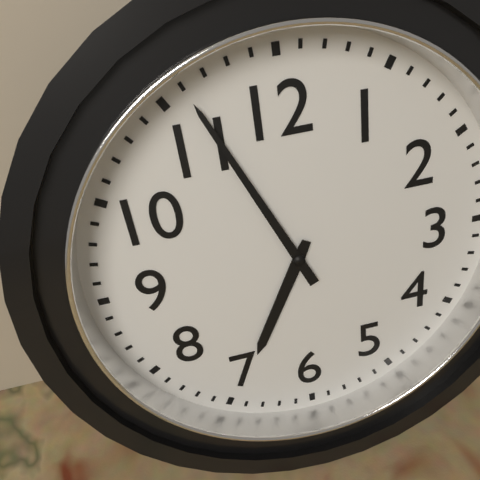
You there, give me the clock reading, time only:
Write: 6:56
